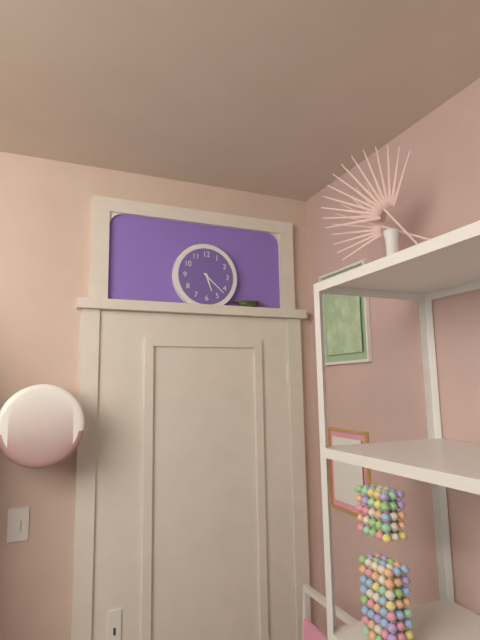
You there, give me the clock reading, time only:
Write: 5:22
